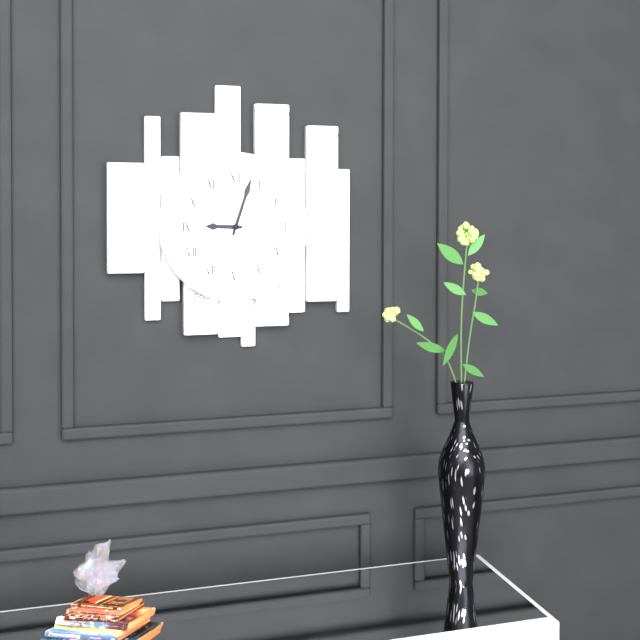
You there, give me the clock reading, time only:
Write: 9:03
